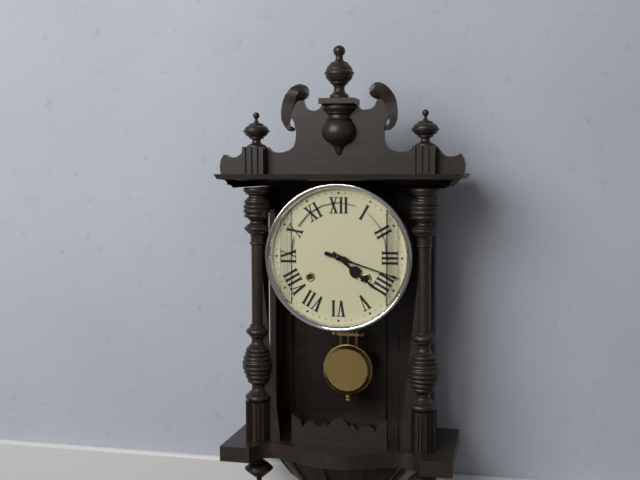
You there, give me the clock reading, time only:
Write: 4:18
